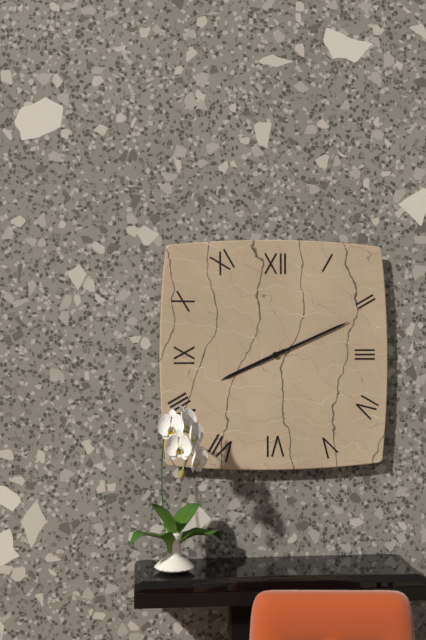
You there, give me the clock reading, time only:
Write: 8:11
